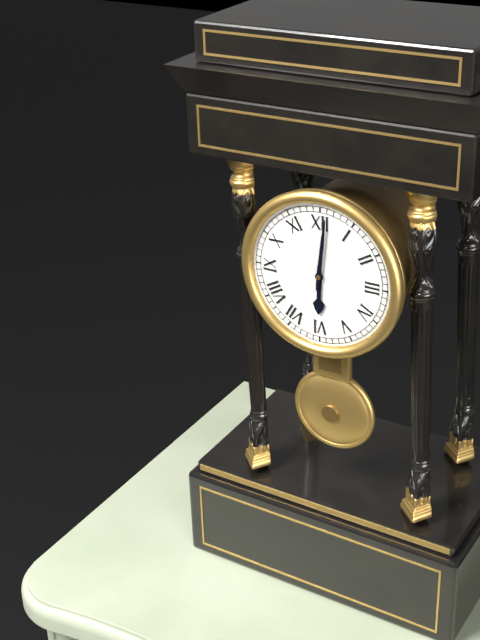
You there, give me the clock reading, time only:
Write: 6:01
